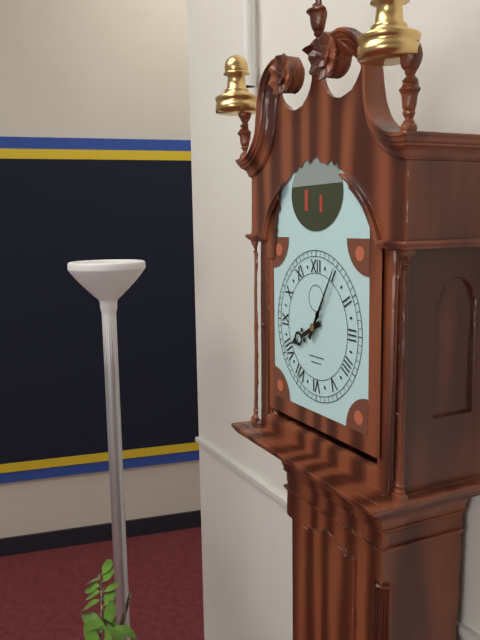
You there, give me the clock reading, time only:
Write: 8:05
